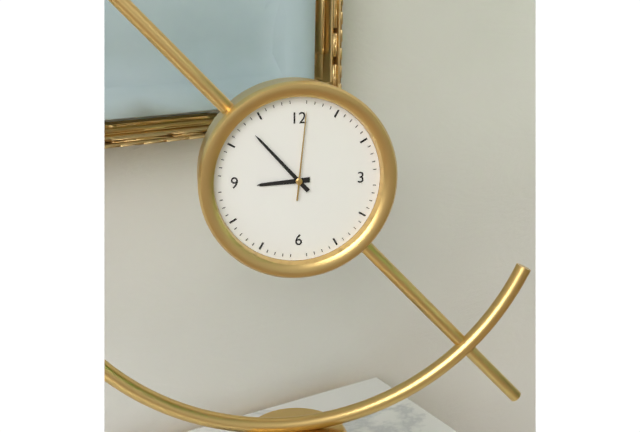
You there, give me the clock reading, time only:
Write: 8:53:01
